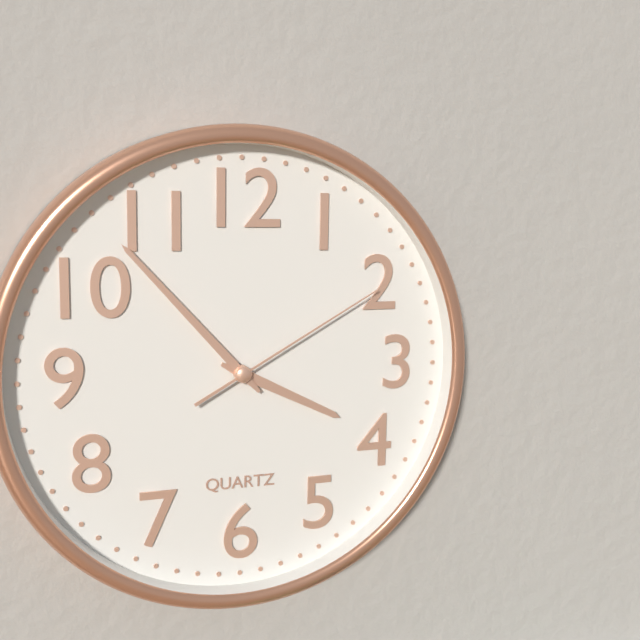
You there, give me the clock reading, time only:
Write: 3:53:10
